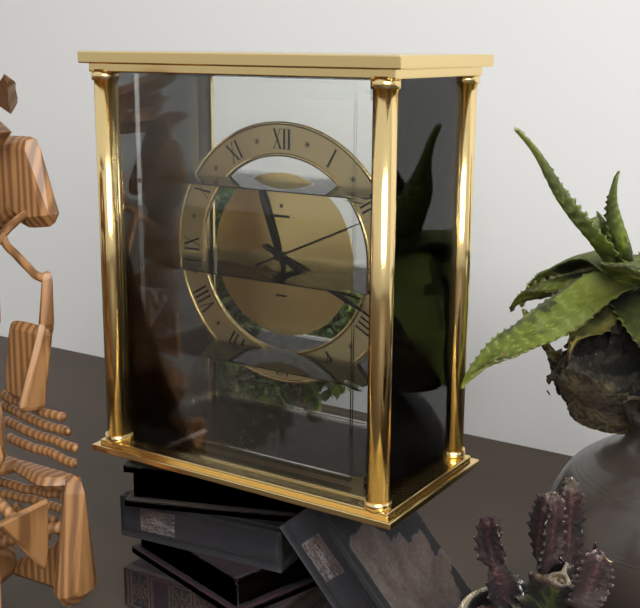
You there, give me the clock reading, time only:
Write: 11:19:11
